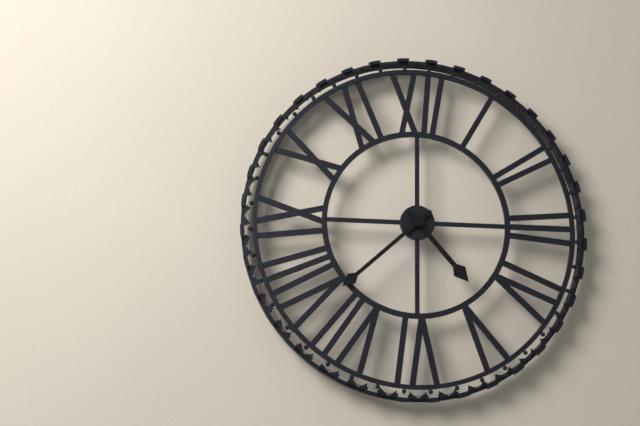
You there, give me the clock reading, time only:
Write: 4:38
